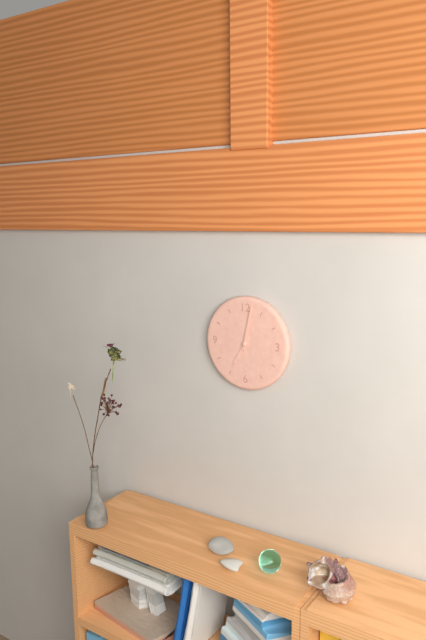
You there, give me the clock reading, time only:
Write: 7:02
